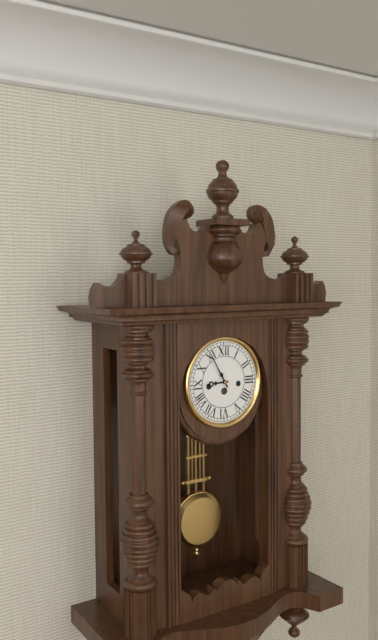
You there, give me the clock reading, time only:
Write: 8:55
